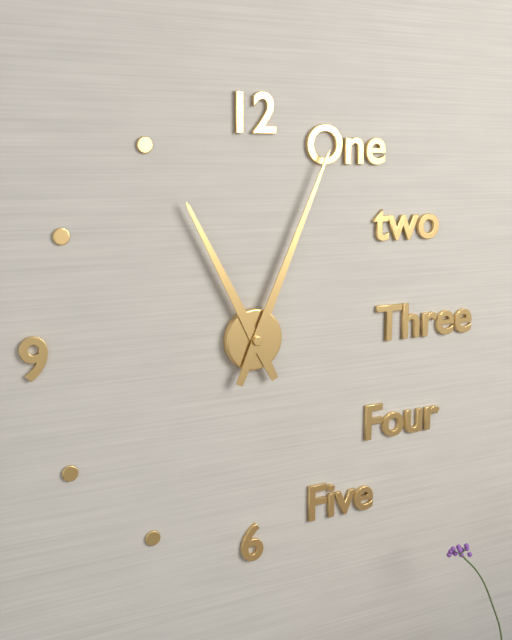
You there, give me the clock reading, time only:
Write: 11:04
